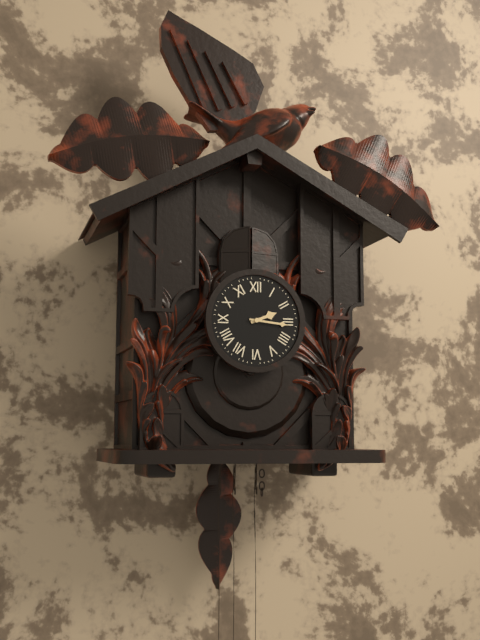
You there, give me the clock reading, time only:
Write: 2:16
